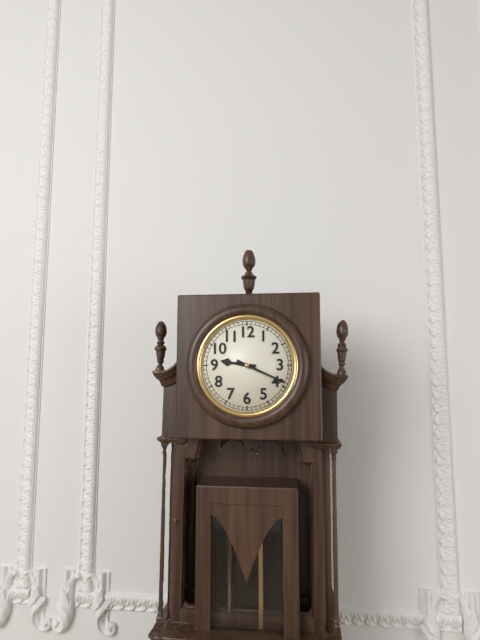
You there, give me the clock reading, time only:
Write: 9:19
